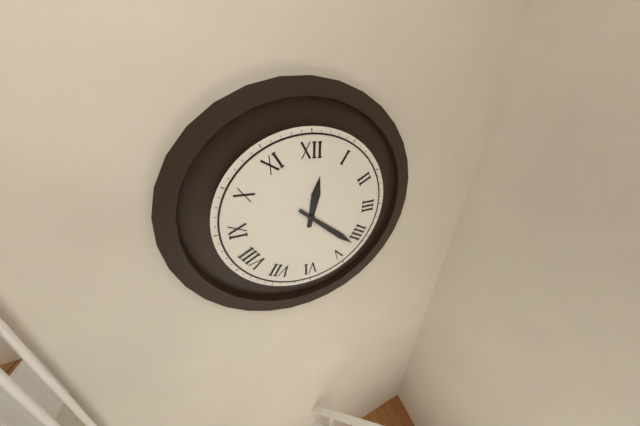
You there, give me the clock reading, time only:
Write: 12:22
